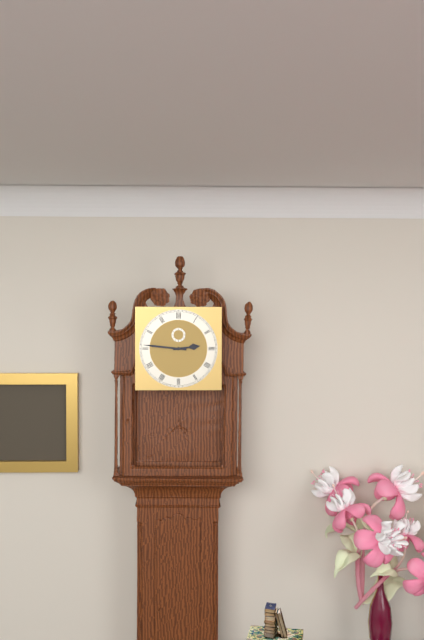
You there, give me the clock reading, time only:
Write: 2:46
